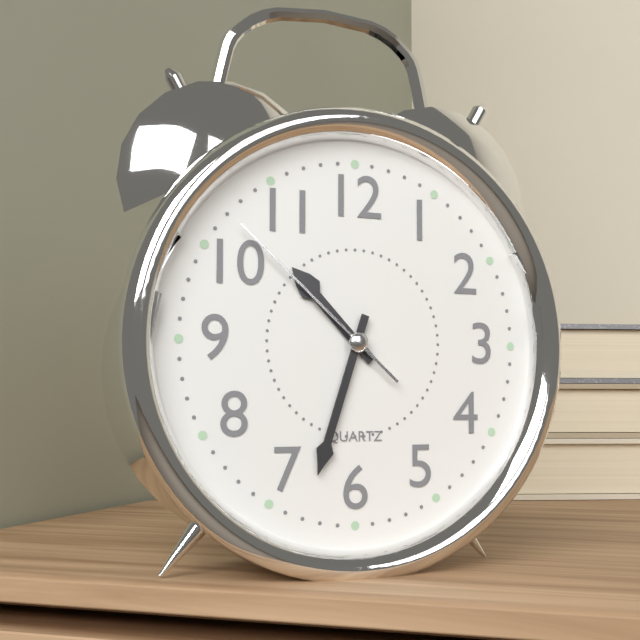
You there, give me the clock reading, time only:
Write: 10:33:52
